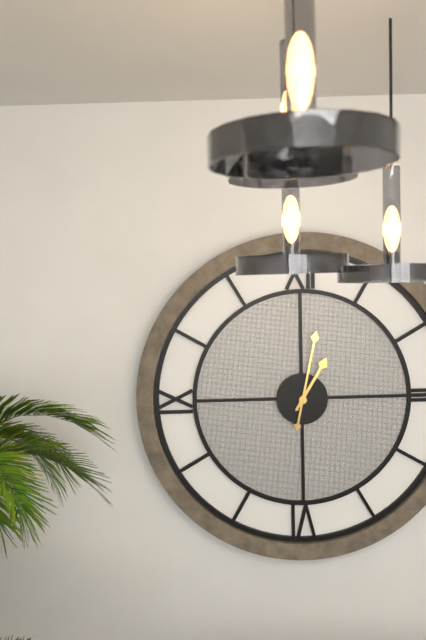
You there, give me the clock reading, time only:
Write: 1:02
